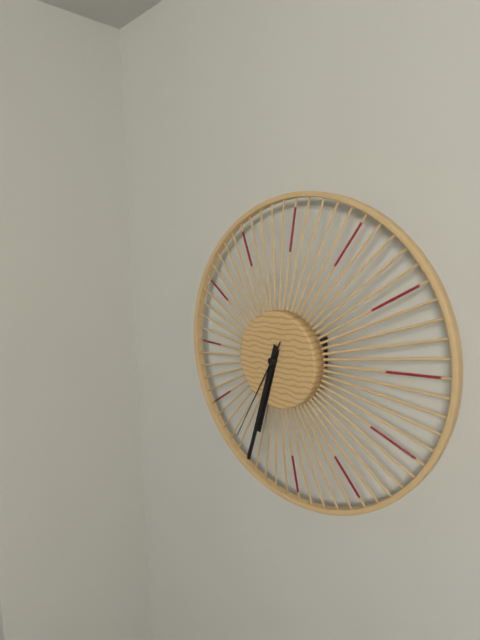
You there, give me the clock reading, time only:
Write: 6:33:35
